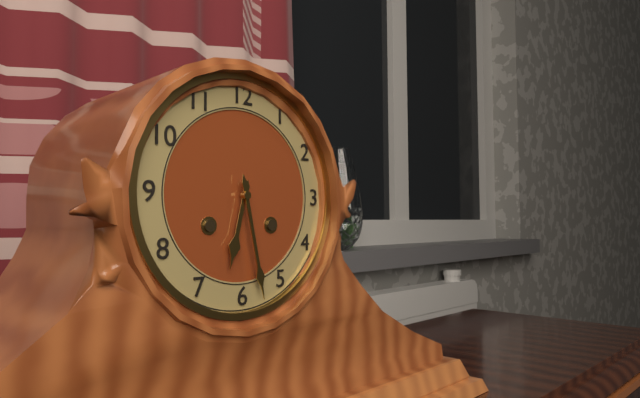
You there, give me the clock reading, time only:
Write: 6:28
